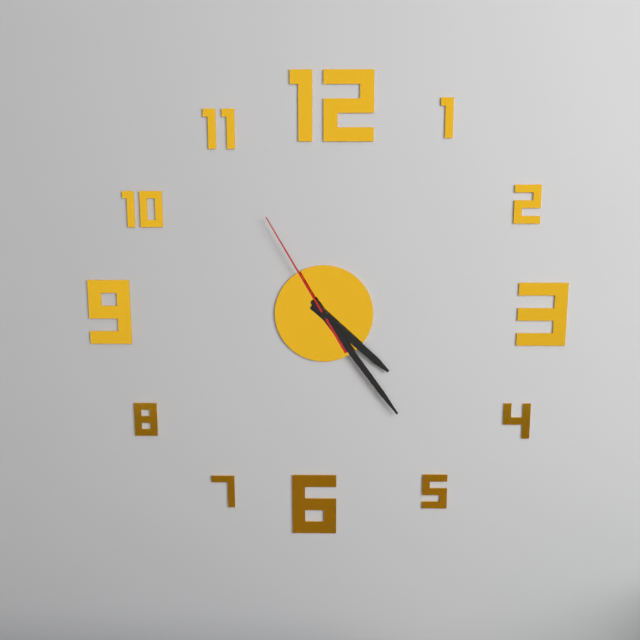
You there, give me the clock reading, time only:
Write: 4:24:55
